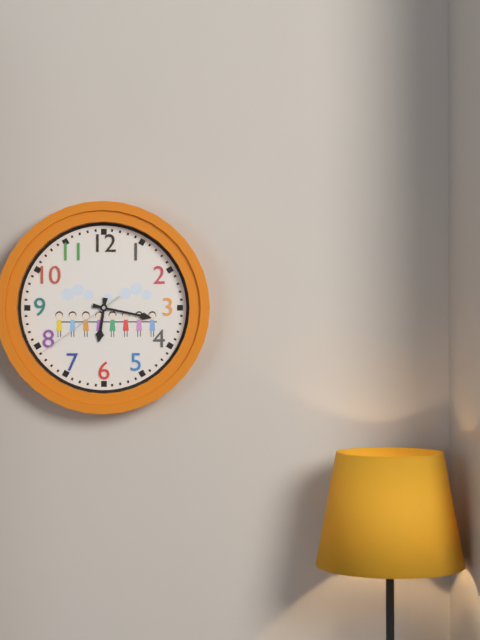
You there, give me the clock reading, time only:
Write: 6:17:39
